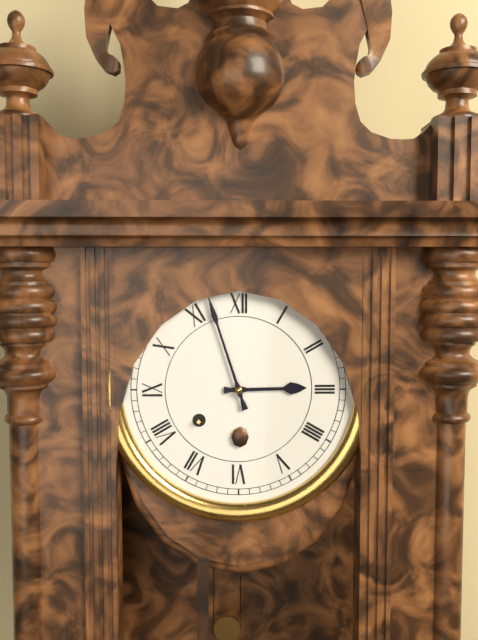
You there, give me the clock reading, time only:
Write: 2:57
